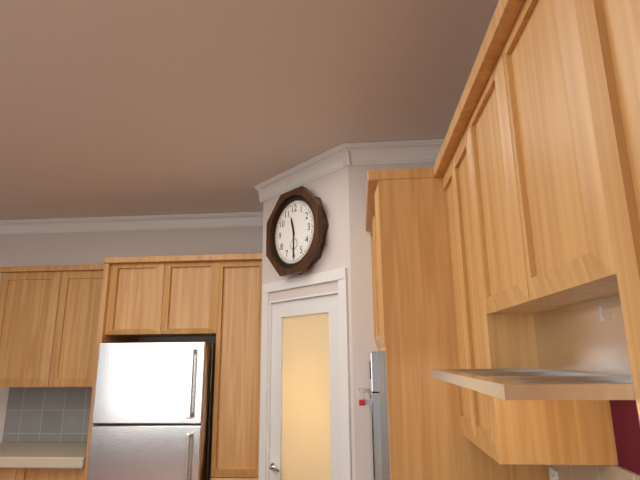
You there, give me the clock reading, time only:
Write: 11:30
